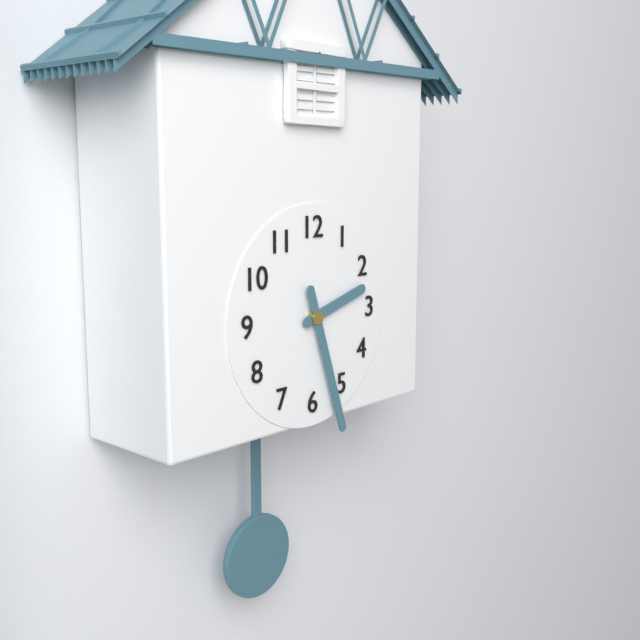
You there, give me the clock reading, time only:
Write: 2:27
